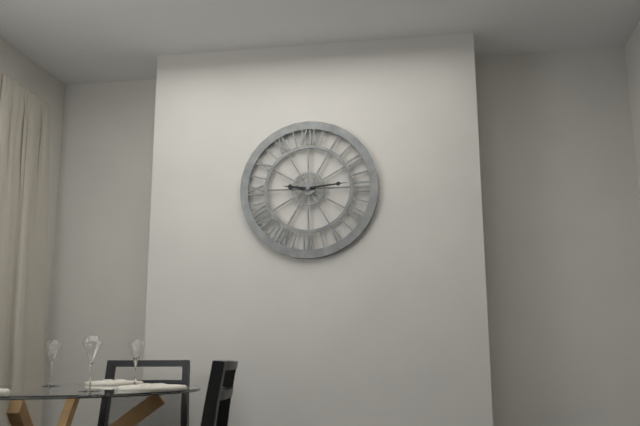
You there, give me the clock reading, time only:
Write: 9:14
